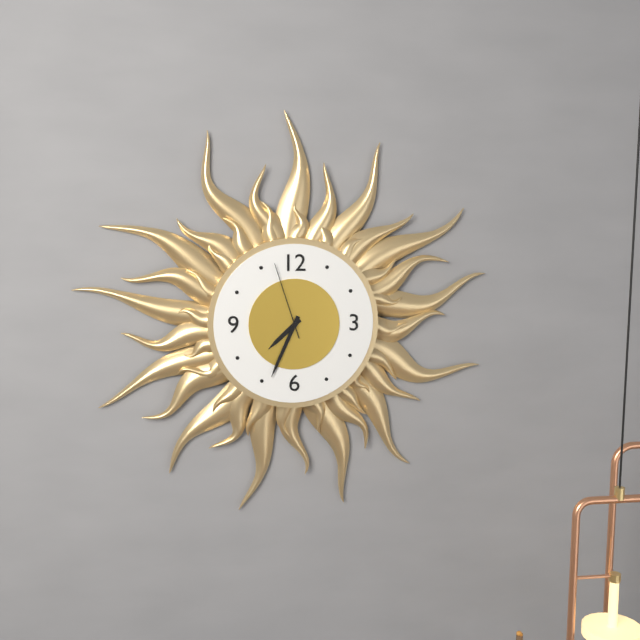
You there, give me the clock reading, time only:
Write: 7:34:57
